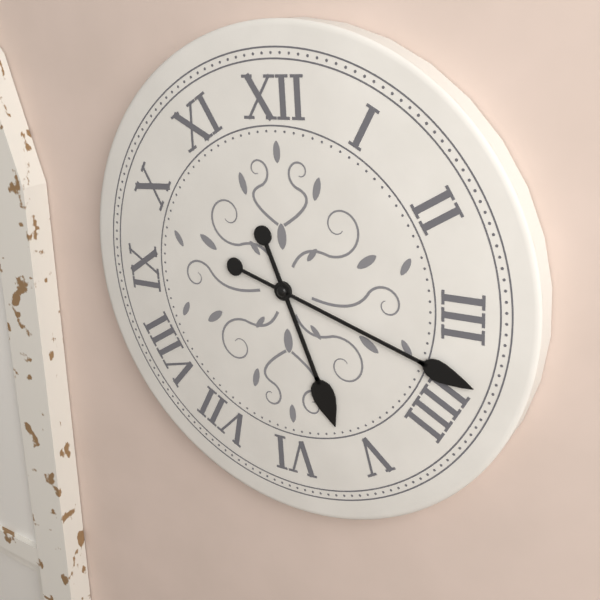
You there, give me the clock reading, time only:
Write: 5:18
